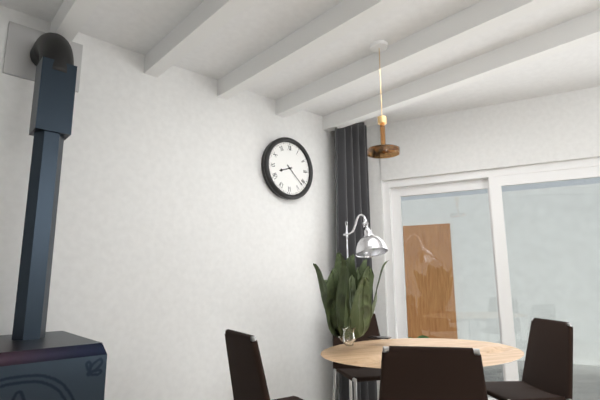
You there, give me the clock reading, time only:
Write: 8:22
